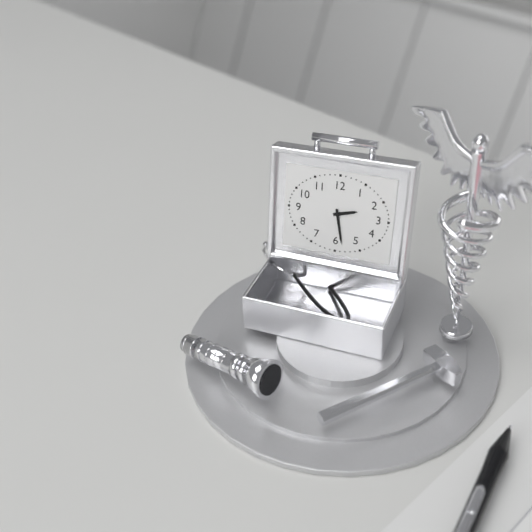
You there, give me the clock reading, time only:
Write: 2:28
